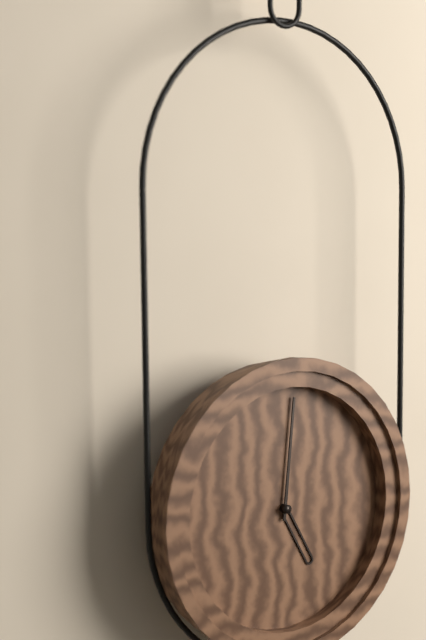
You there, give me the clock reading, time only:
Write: 5:01
